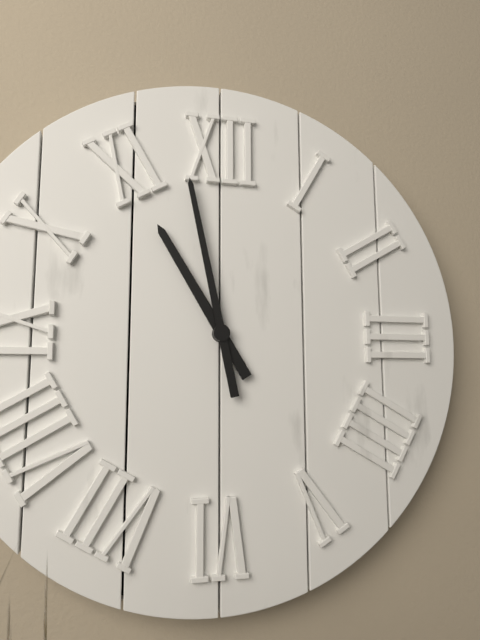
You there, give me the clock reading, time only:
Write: 10:58
